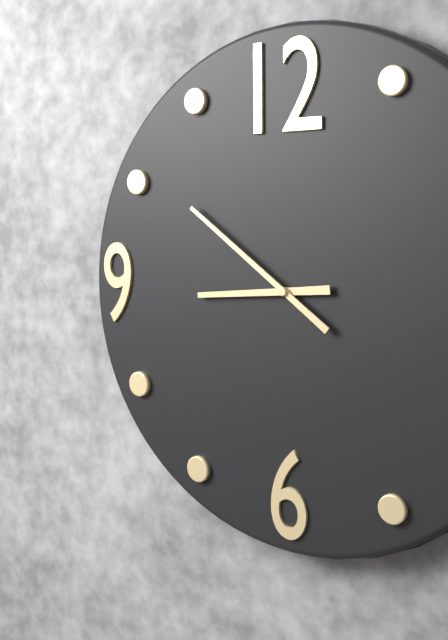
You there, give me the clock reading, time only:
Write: 8:51
